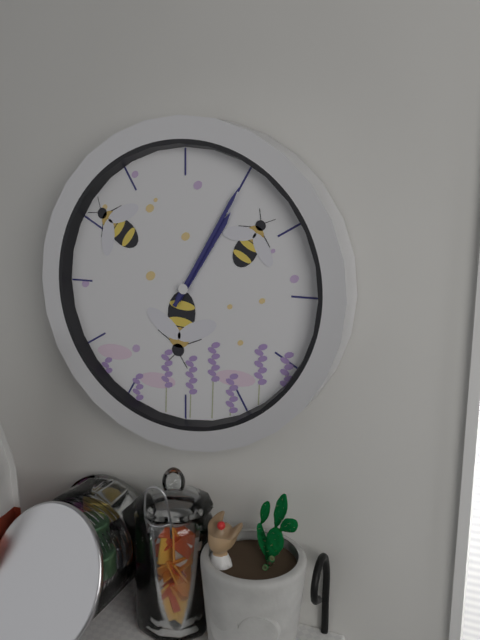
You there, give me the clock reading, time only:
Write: 1:05
